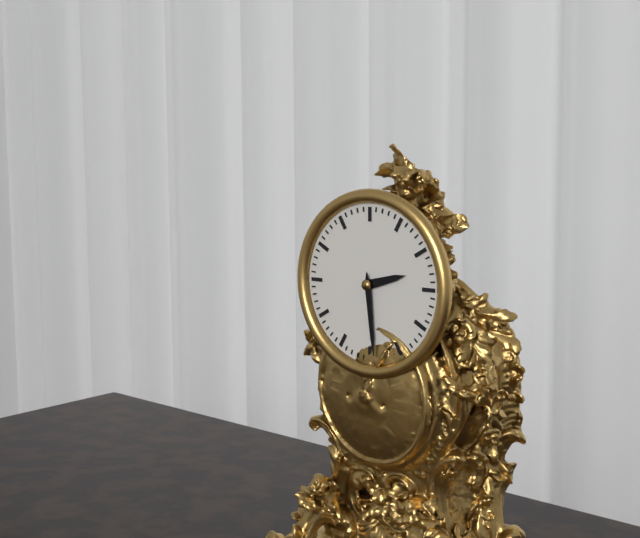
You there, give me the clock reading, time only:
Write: 2:29
